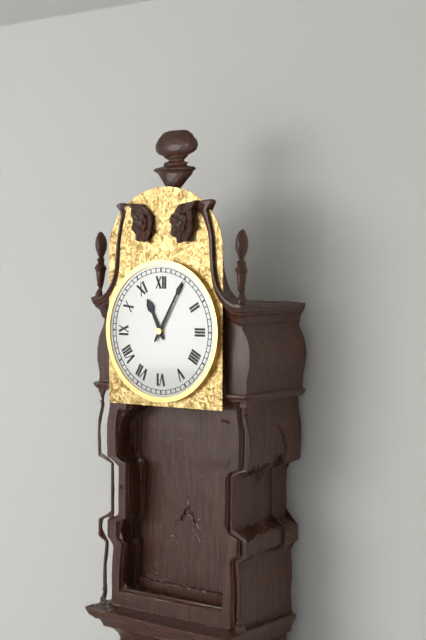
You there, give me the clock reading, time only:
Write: 11:05
